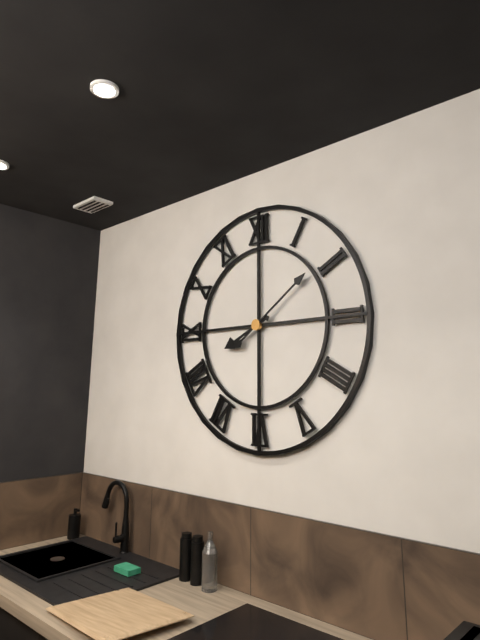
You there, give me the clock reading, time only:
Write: 8:09
